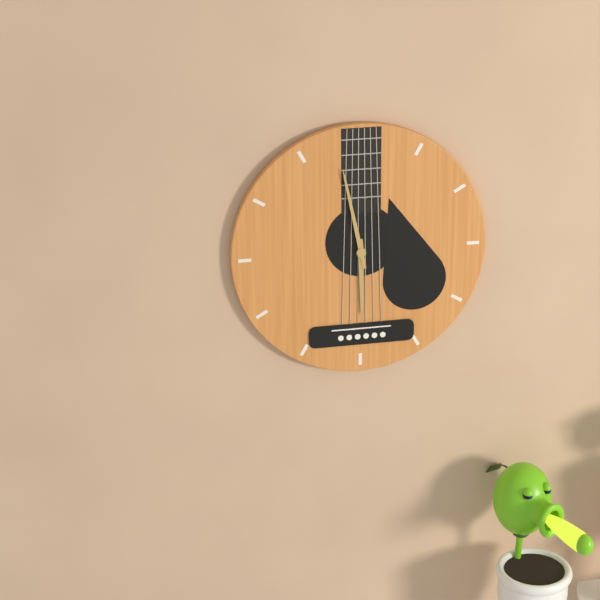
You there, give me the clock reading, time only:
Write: 5:58
